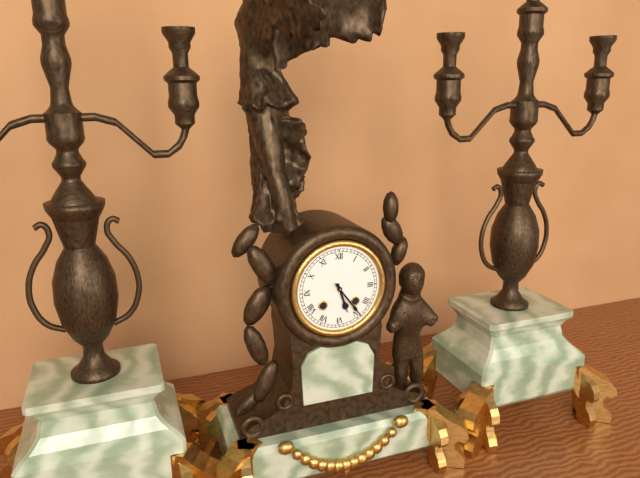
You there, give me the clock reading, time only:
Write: 5:24
